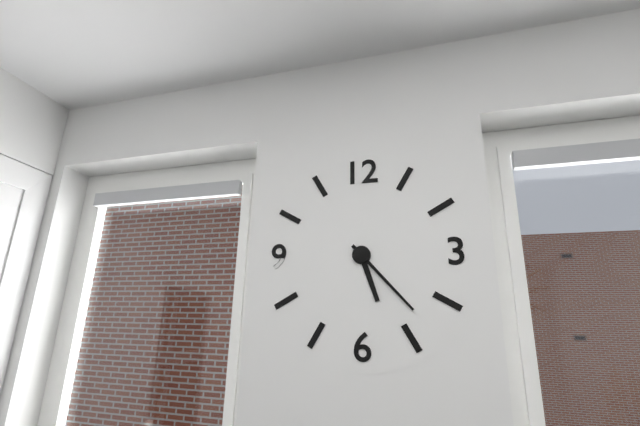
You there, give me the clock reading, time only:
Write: 5:23
